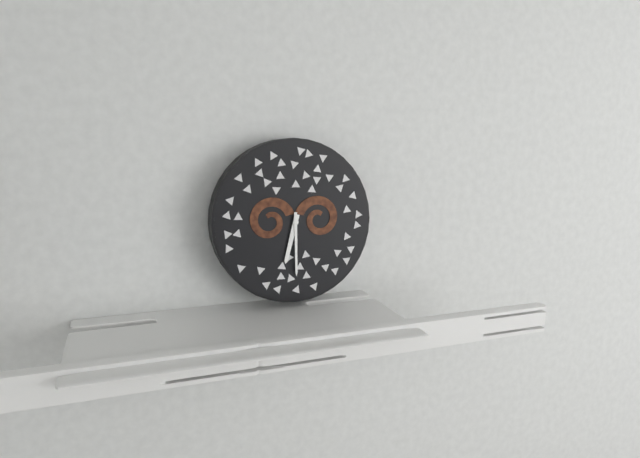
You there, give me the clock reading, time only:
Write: 6:30
